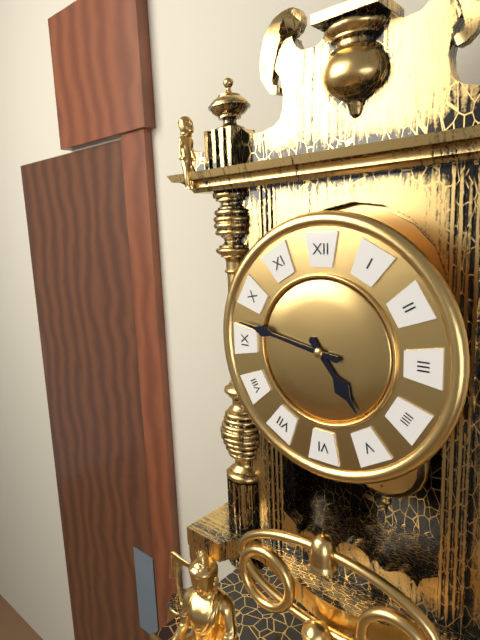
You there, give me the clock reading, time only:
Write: 4:47
